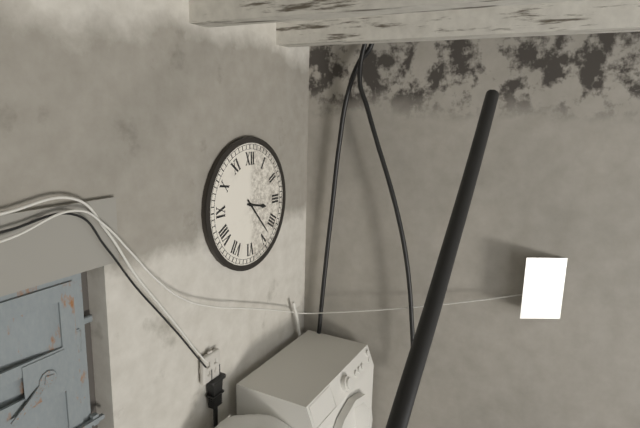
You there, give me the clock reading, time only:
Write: 3:23
